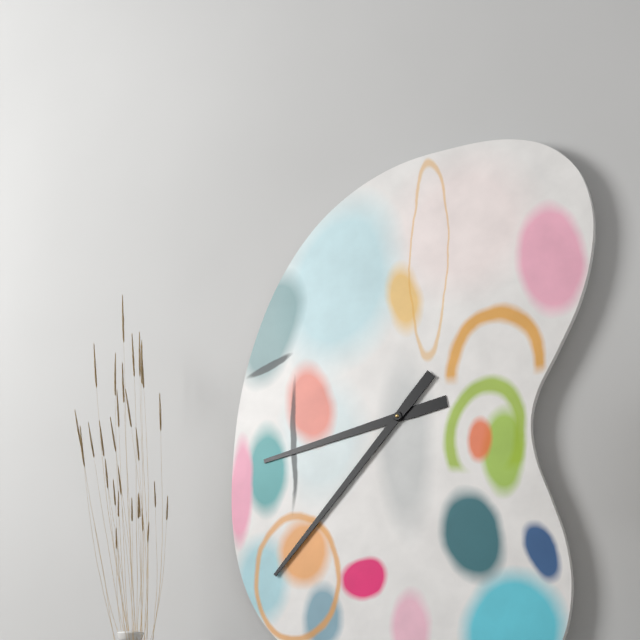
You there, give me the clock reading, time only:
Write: 8:37
